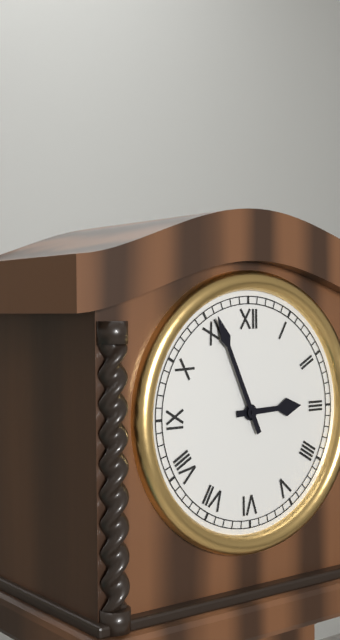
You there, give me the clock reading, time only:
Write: 2:56
